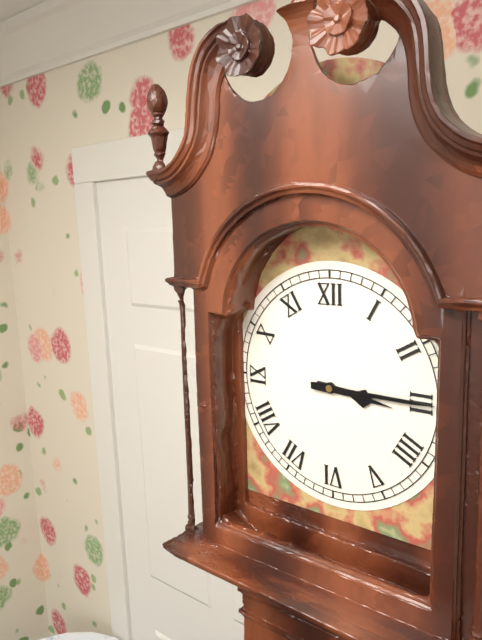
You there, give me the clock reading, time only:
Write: 3:15
